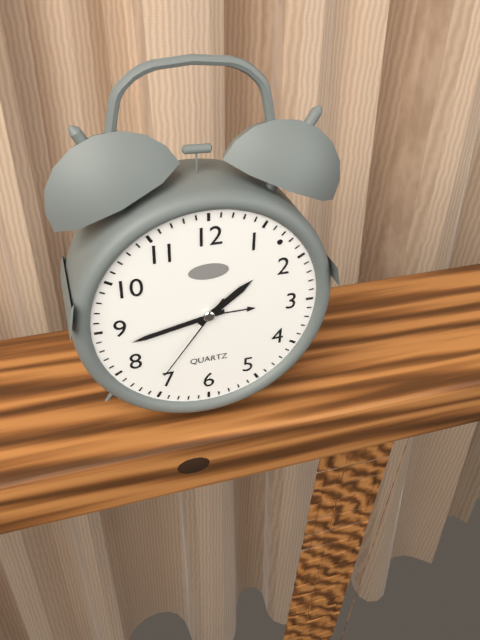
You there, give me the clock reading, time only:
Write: 1:43:36
